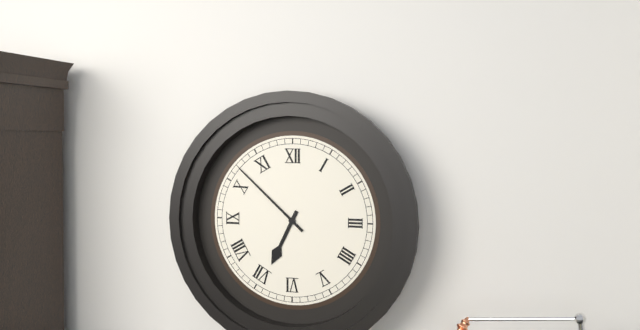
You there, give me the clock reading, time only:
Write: 6:52
